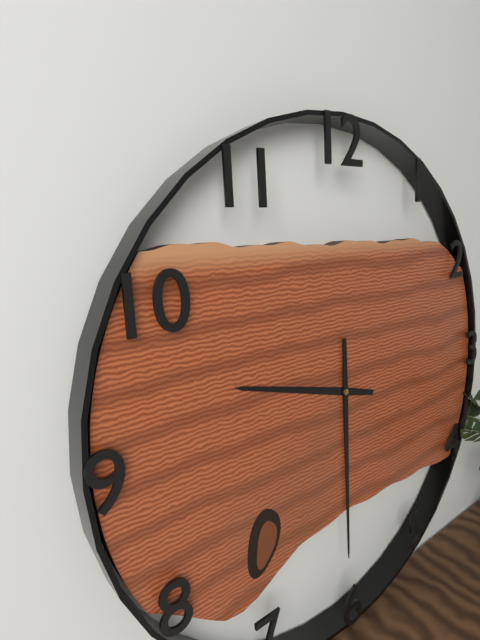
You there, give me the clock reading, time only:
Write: 9:30
